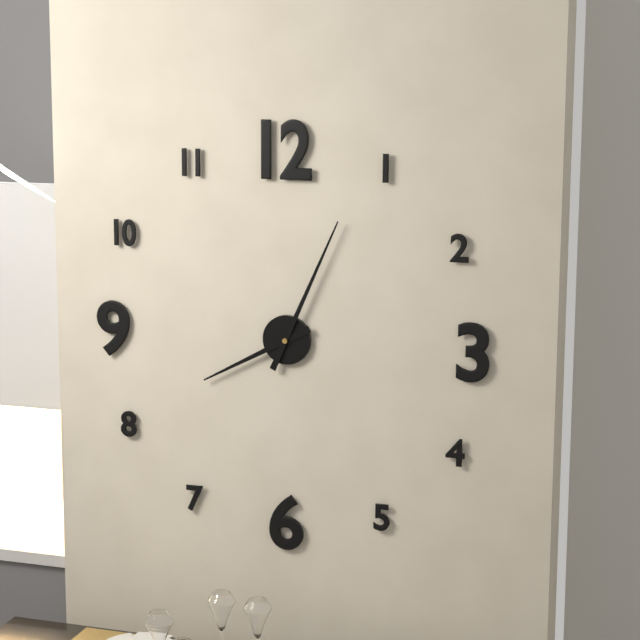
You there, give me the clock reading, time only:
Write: 8:04
